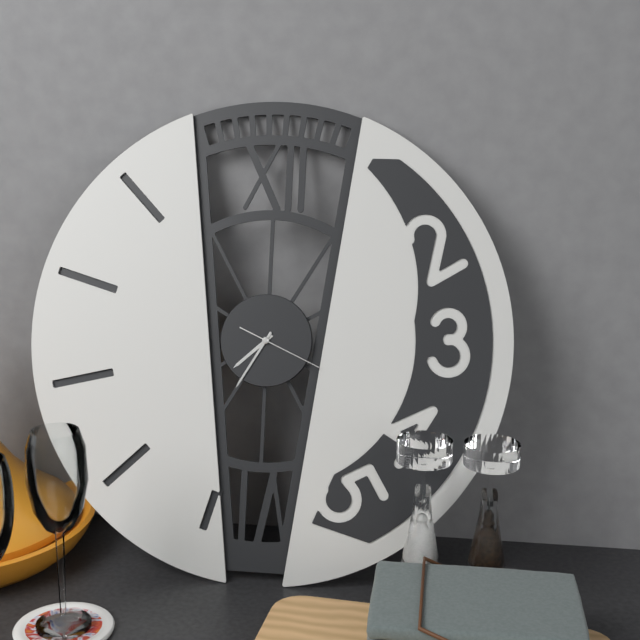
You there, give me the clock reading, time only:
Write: 7:35:19
